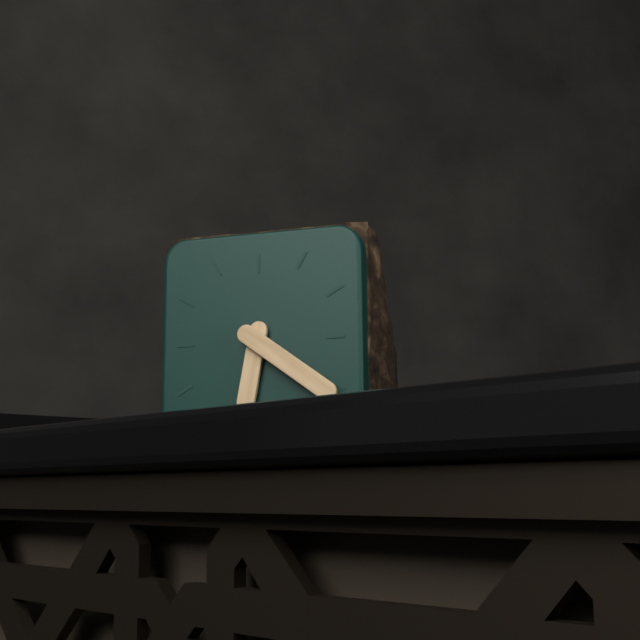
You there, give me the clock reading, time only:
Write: 6:21
